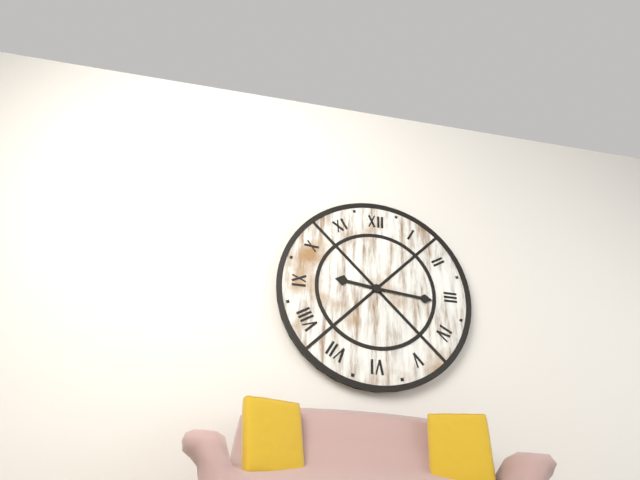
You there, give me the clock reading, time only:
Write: 9:16
